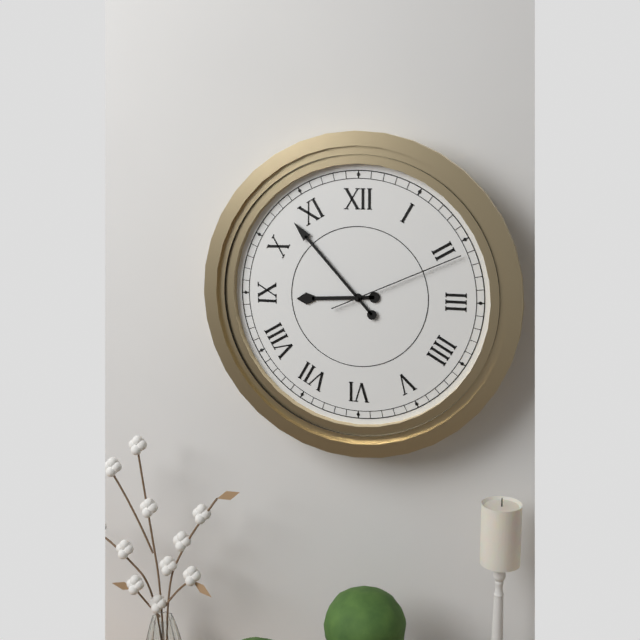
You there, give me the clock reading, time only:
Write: 8:53:11
